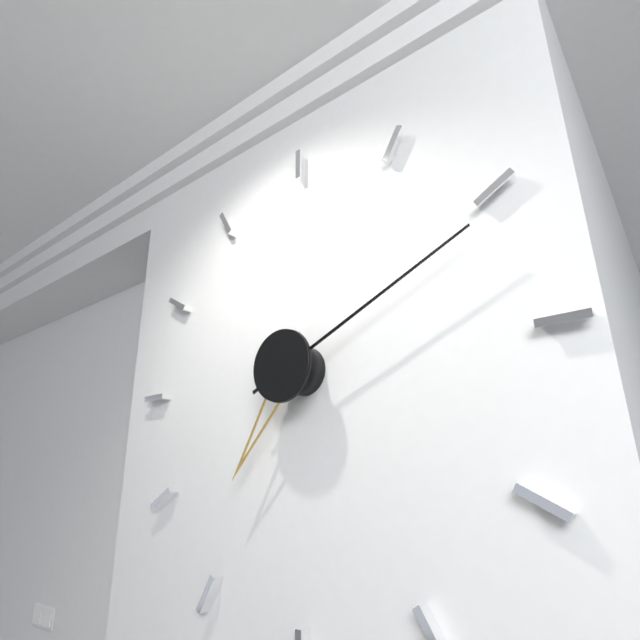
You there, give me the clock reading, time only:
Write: 7:11
